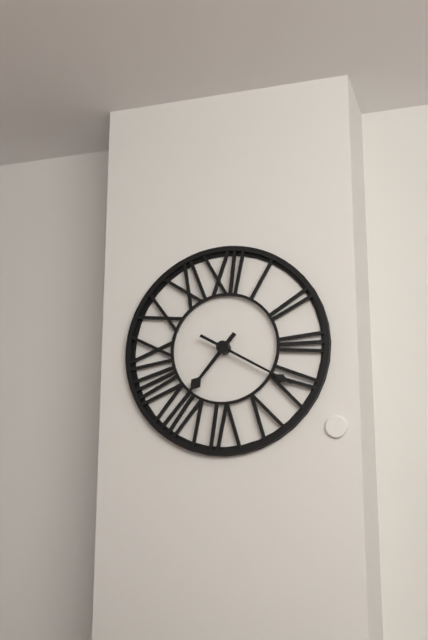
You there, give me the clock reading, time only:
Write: 7:20
